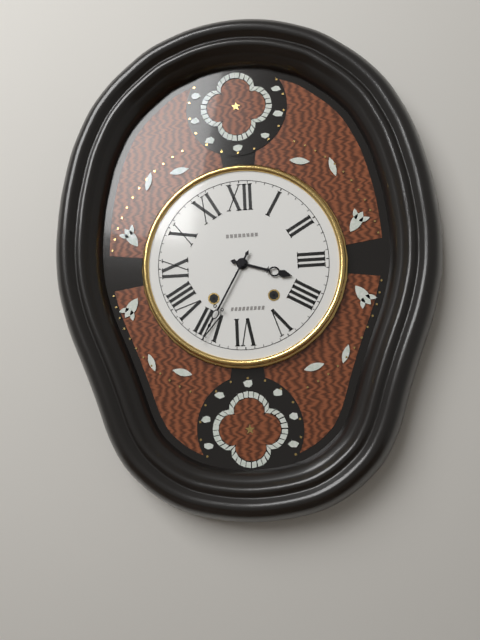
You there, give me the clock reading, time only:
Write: 3:35
